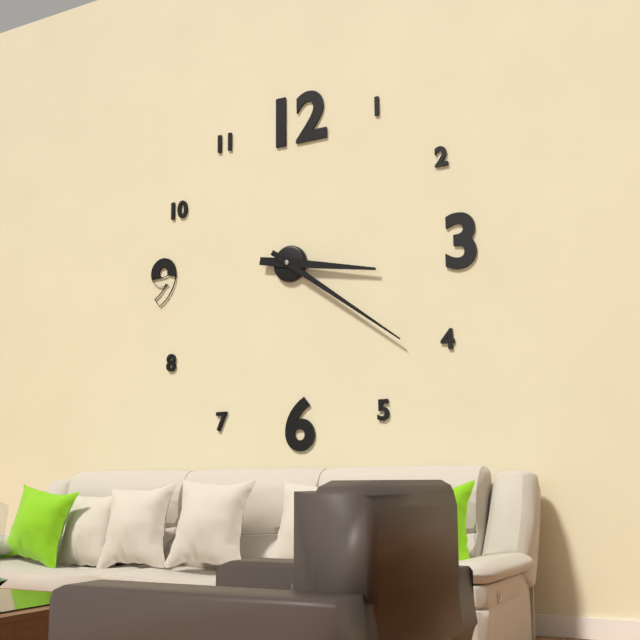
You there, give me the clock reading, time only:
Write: 3:21
